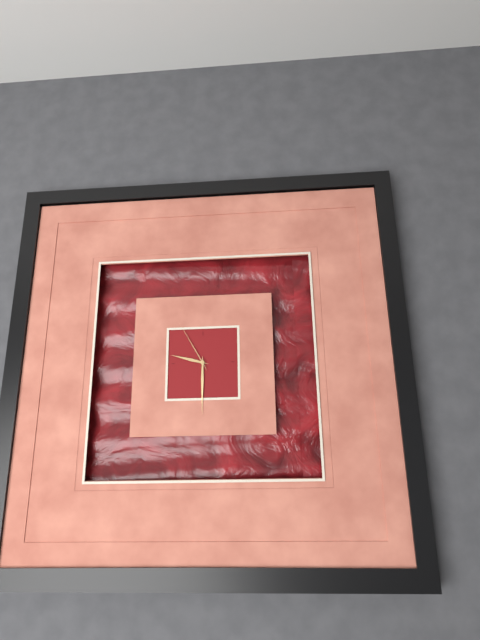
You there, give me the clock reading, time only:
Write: 9:30:55
